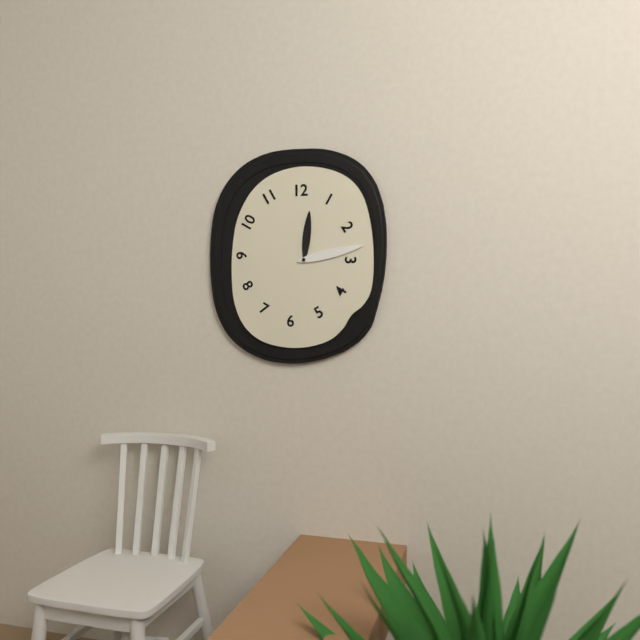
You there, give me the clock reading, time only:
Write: 12:13
